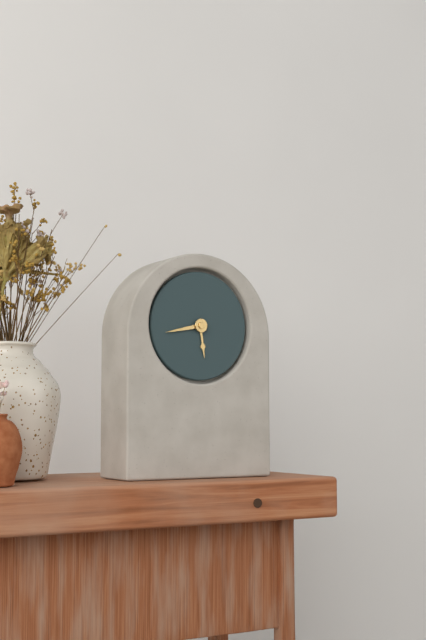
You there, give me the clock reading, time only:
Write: 5:43
